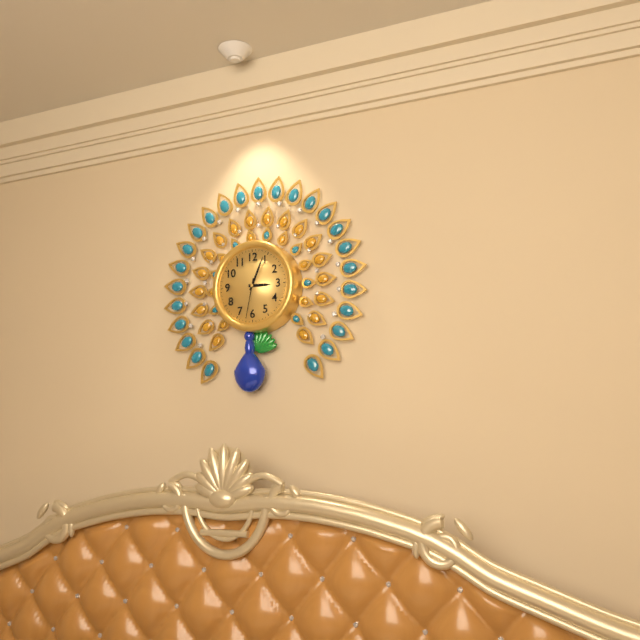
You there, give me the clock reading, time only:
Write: 3:04
